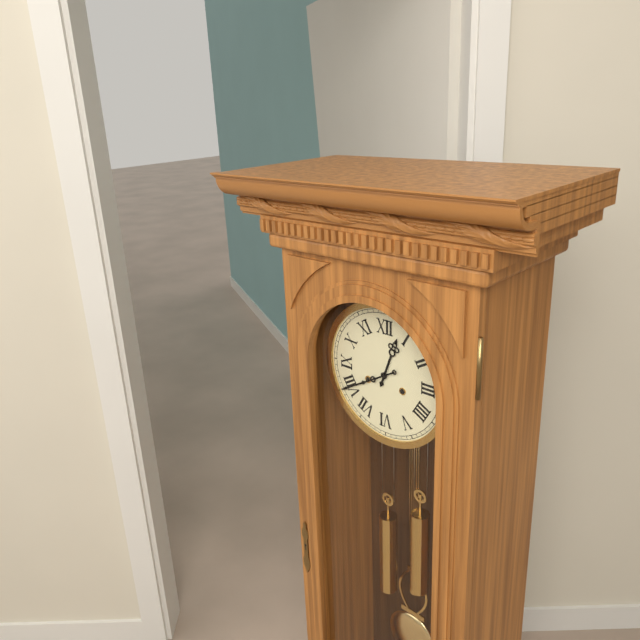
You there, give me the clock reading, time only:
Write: 12:40
